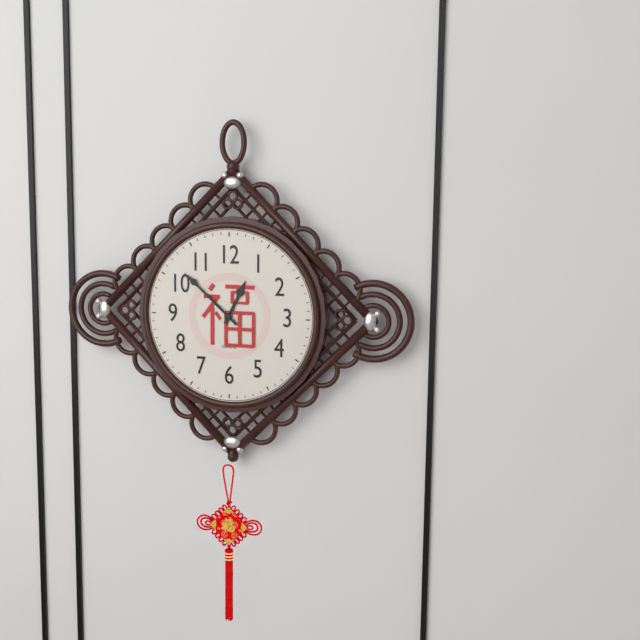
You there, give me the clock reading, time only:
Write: 12:52
